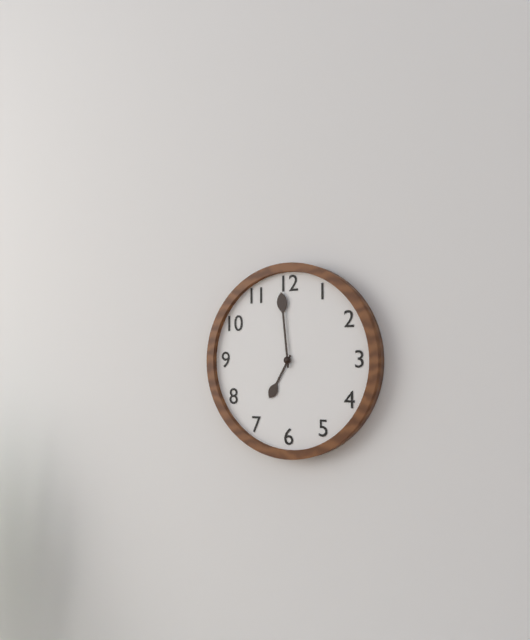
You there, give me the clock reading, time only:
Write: 6:59
